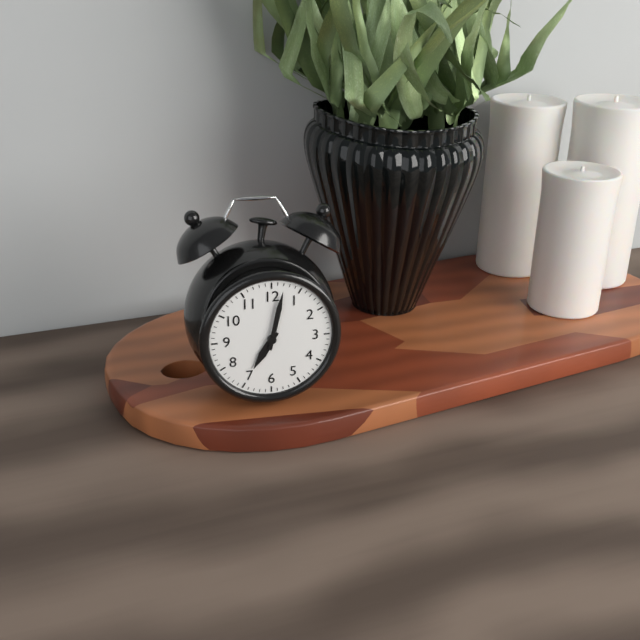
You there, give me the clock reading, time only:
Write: 7:02
